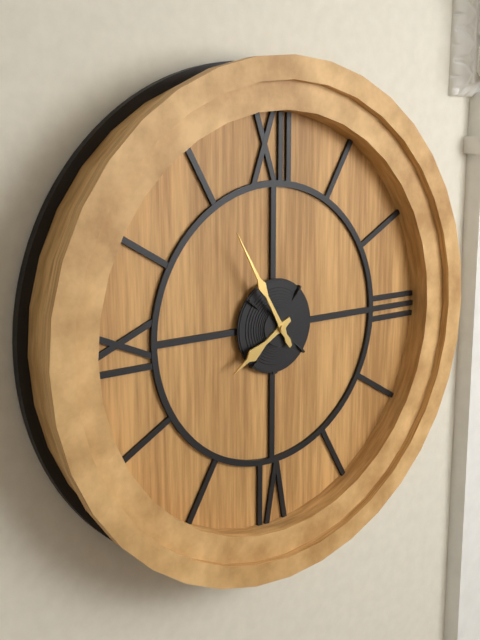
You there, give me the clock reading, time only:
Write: 7:55
